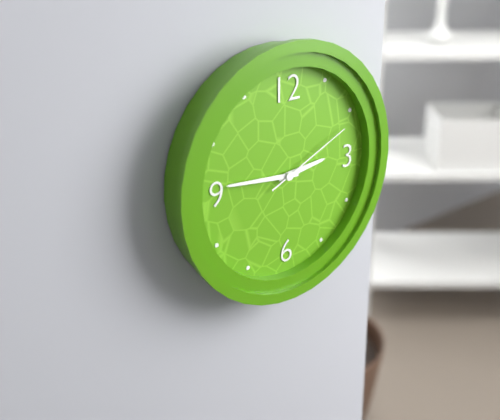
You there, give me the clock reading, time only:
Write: 2:46:11
